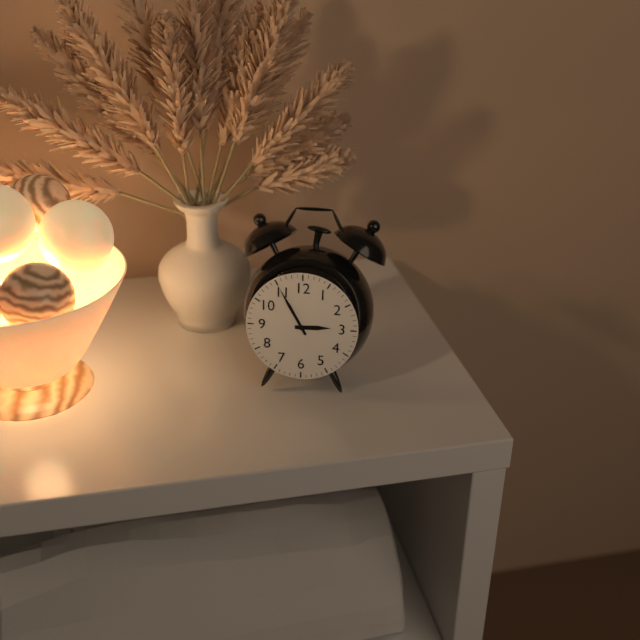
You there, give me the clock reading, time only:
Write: 2:55
